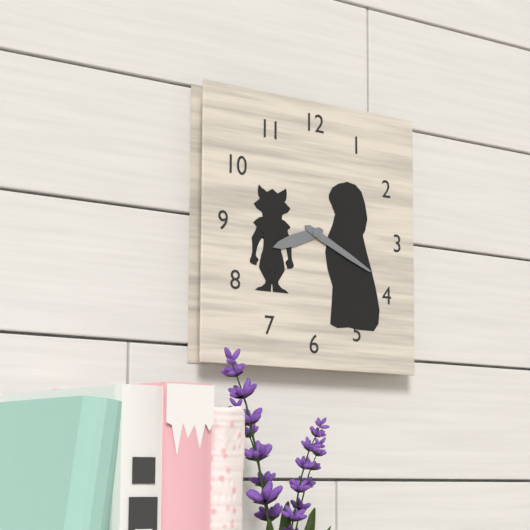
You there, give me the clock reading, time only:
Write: 8:19
